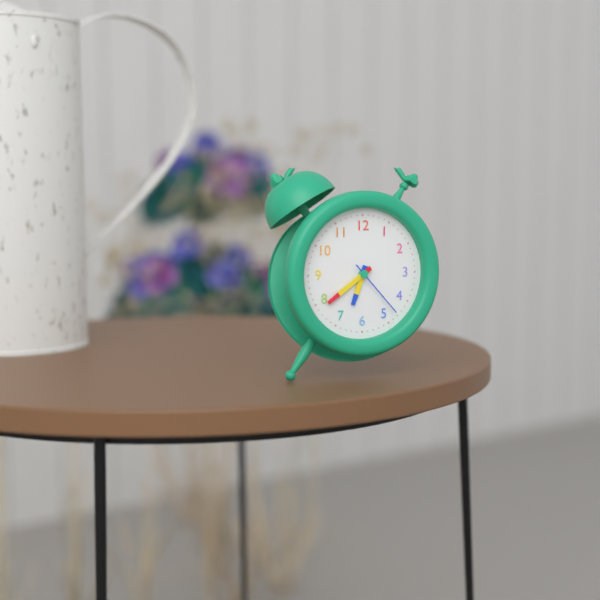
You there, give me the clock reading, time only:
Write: 6:39:23
